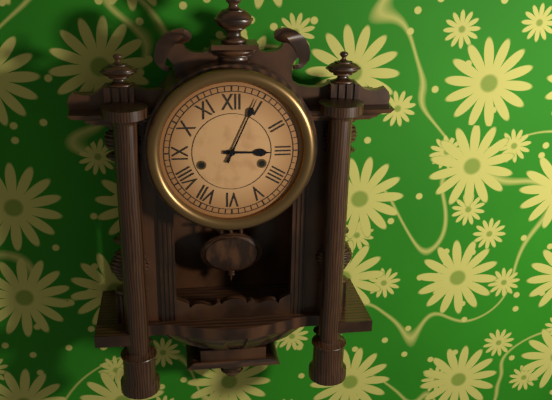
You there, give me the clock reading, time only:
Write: 3:04
